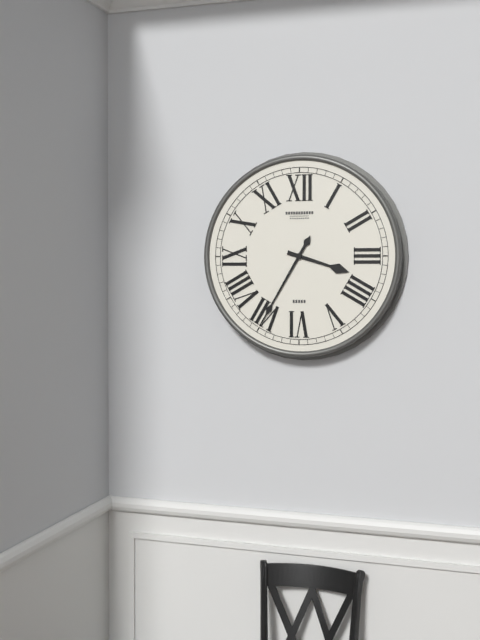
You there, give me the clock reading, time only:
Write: 3:35
